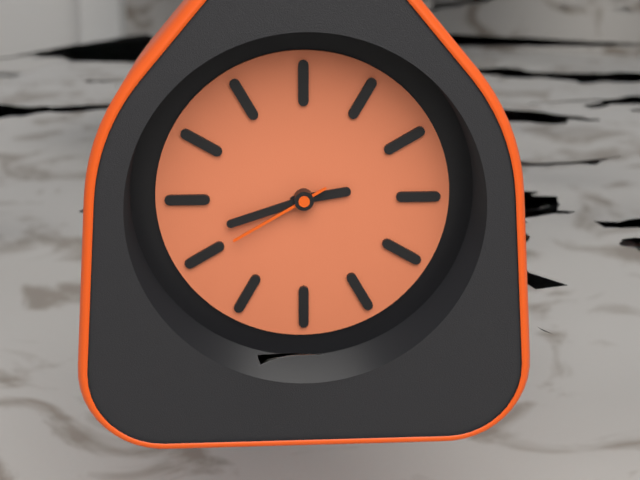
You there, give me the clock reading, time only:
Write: 2:42:40
